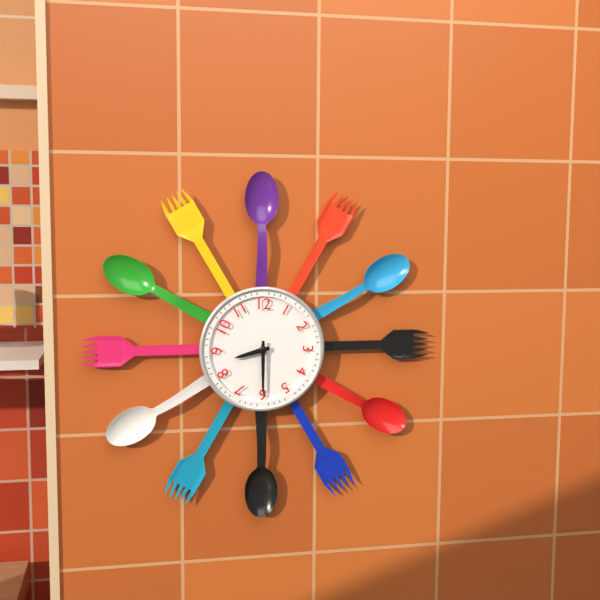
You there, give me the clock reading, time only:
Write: 8:30
